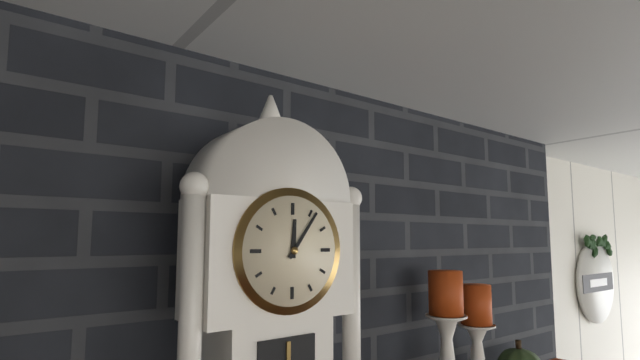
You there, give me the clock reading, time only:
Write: 12:06
